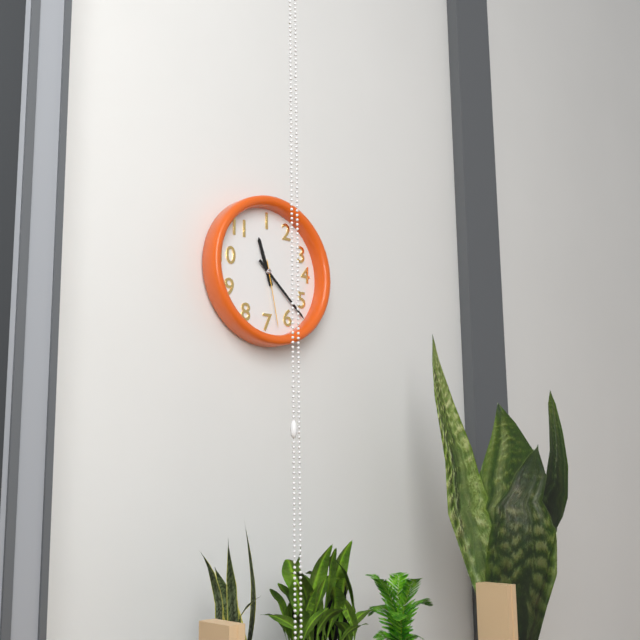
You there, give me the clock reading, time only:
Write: 11:22:28
